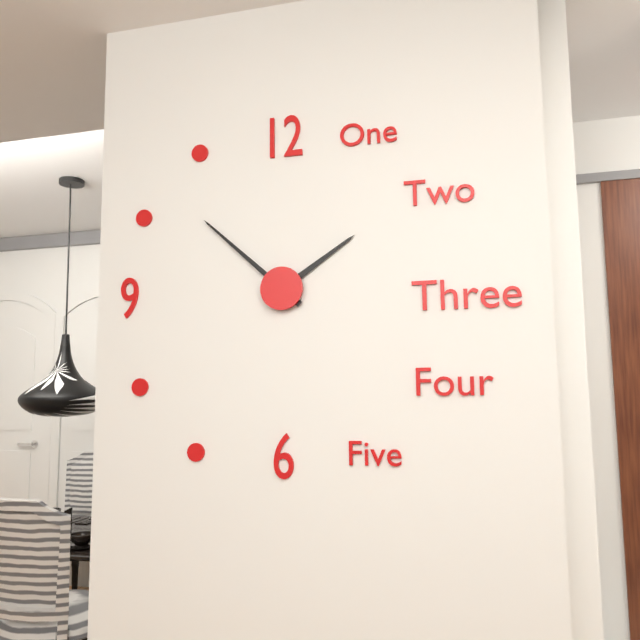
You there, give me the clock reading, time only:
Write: 1:52
